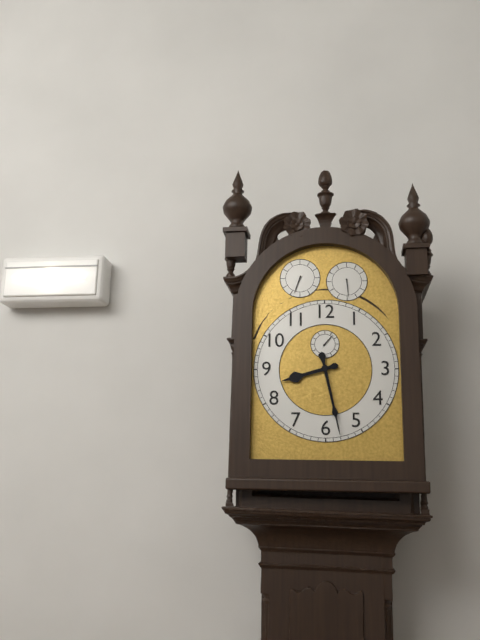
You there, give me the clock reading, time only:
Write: 8:28
